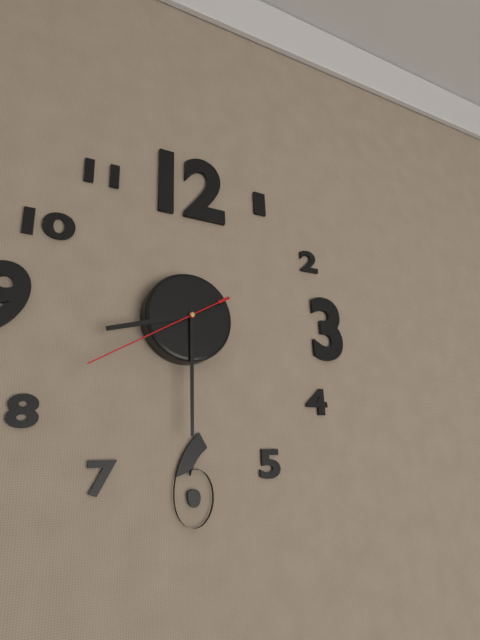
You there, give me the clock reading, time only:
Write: 8:30:40
